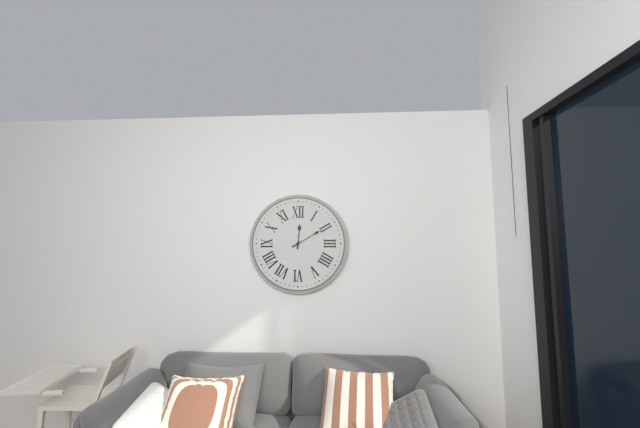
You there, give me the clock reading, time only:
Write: 12:10
